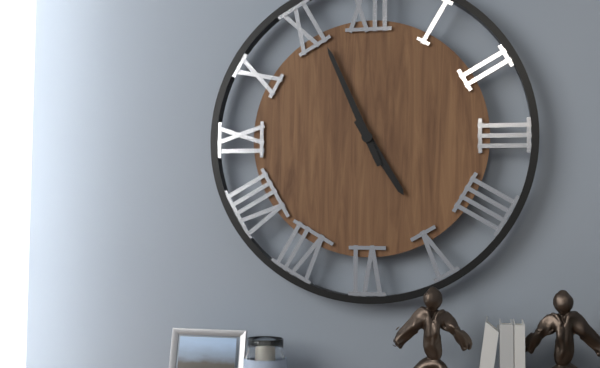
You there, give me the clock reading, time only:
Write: 4:56
